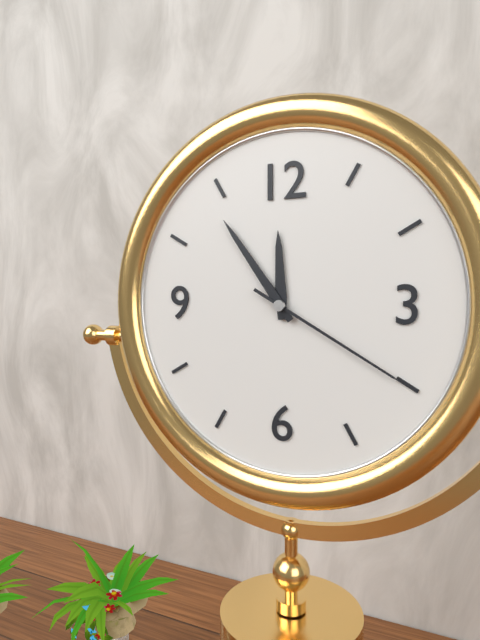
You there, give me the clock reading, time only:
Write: 11:54:20
